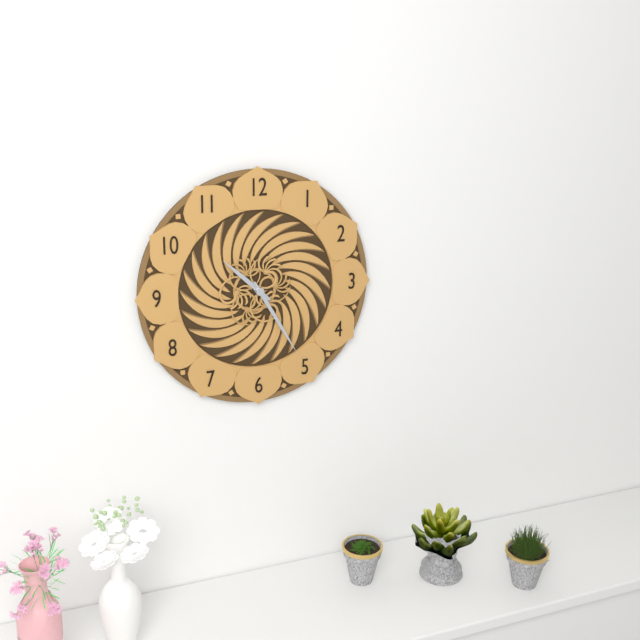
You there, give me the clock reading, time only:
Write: 10:25
